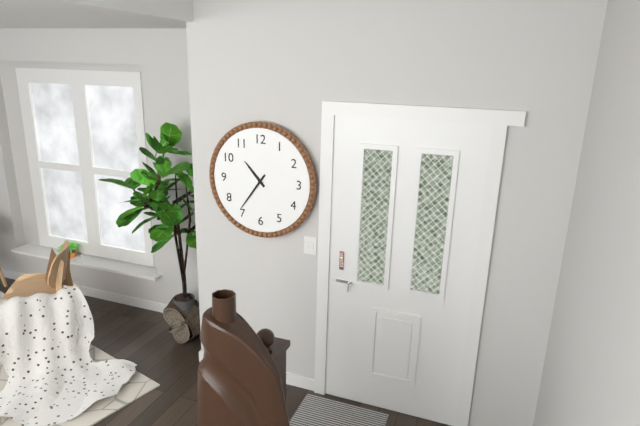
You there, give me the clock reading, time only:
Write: 10:36
